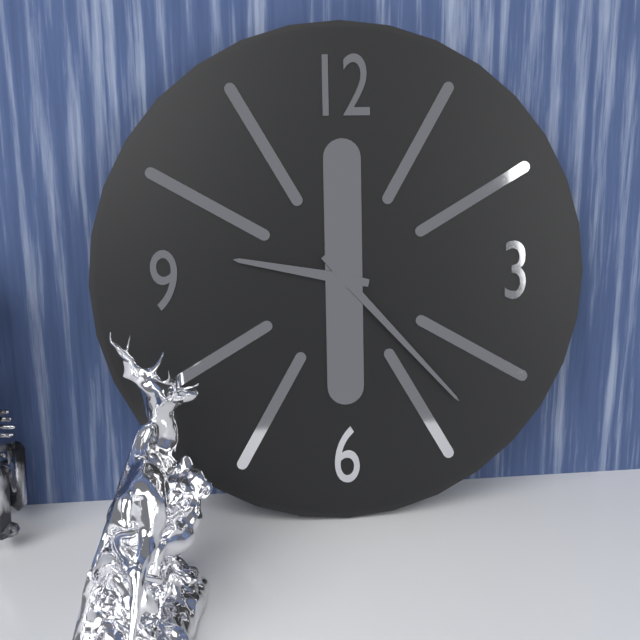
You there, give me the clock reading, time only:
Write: 9:23
